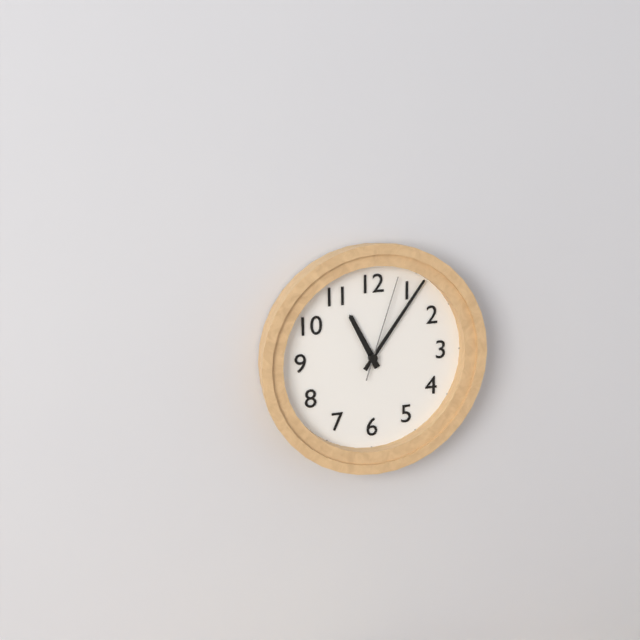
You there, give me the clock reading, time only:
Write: 11:06:03
